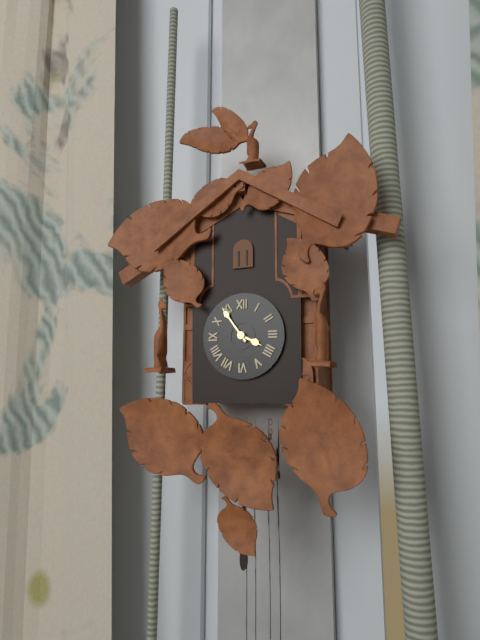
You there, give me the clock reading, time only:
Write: 3:54
